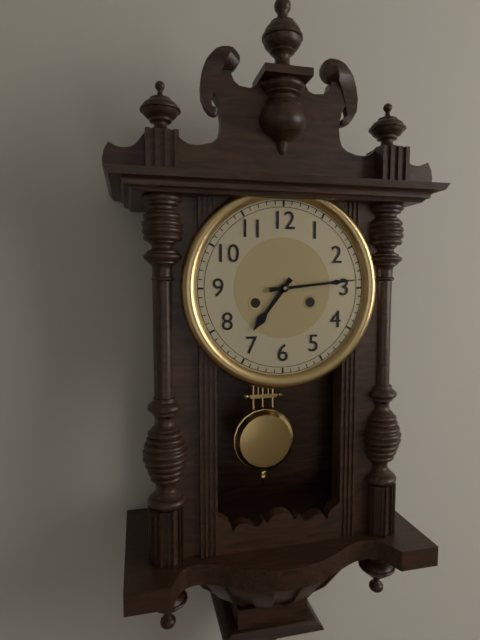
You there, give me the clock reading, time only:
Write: 7:14
